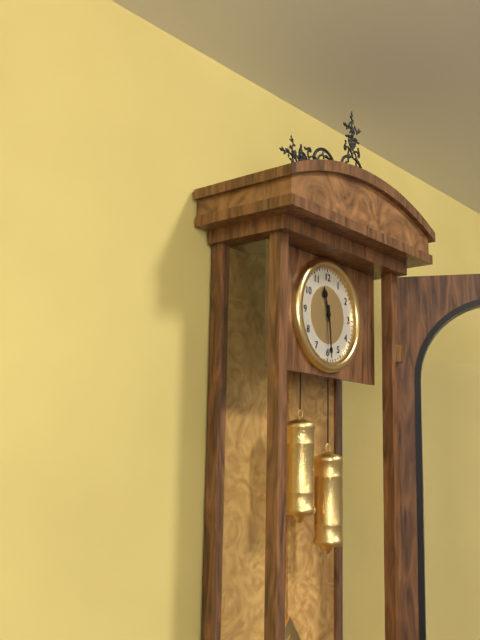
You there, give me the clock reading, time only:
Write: 11:29
